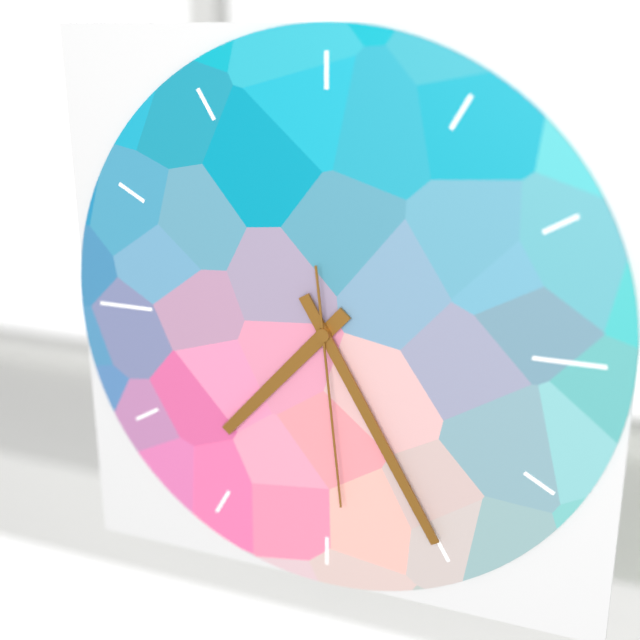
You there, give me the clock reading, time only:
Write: 7:25:29
